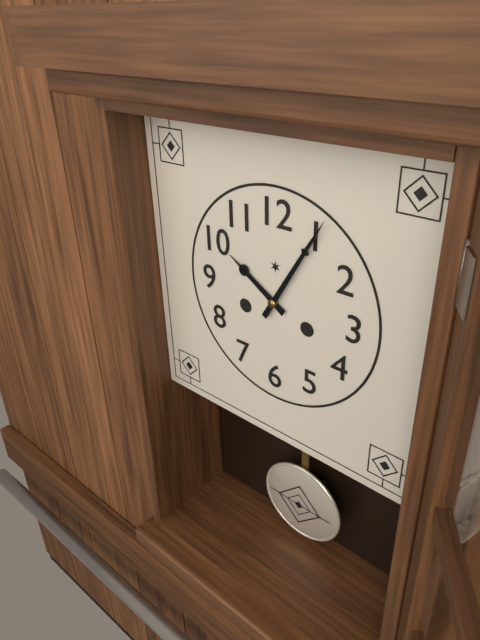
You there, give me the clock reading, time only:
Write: 10:05
